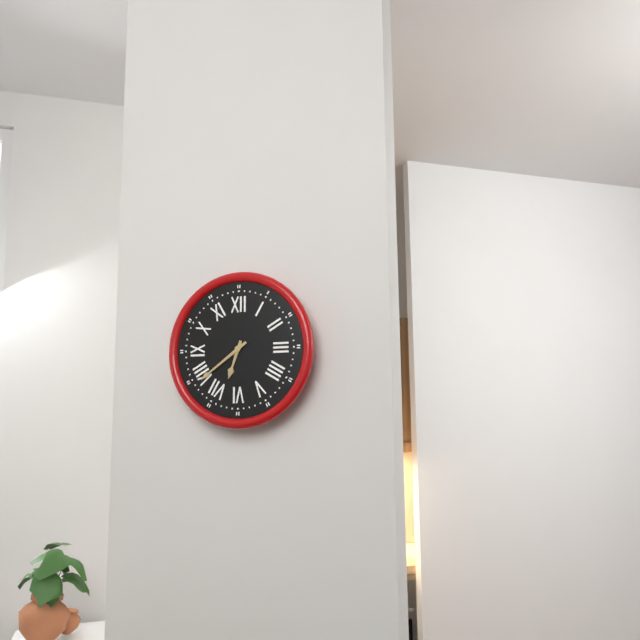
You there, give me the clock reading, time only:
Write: 6:39
